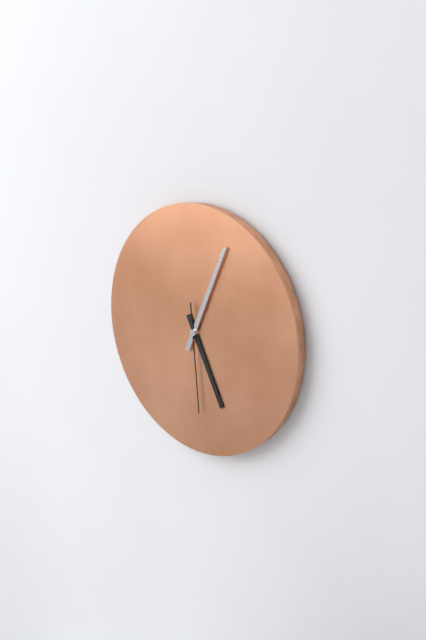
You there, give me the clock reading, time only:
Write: 5:04:29
